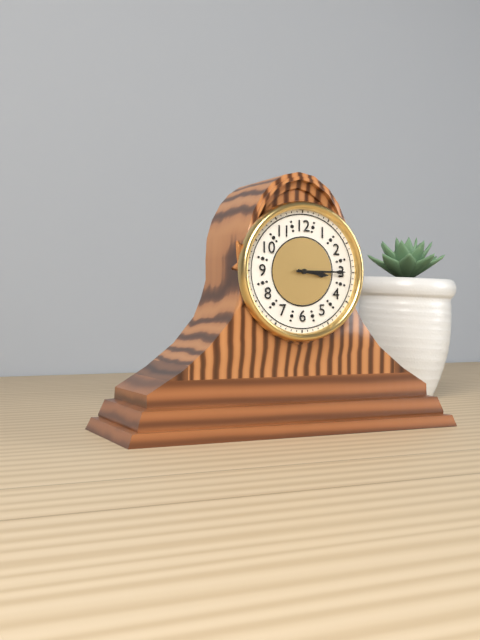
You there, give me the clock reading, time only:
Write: 3:15
